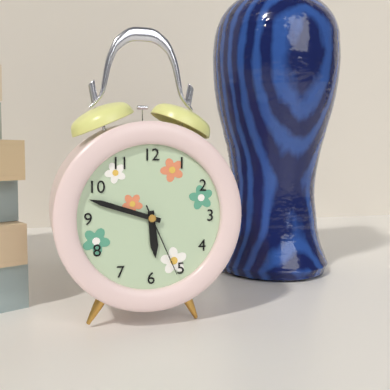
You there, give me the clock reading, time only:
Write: 5:48:26
